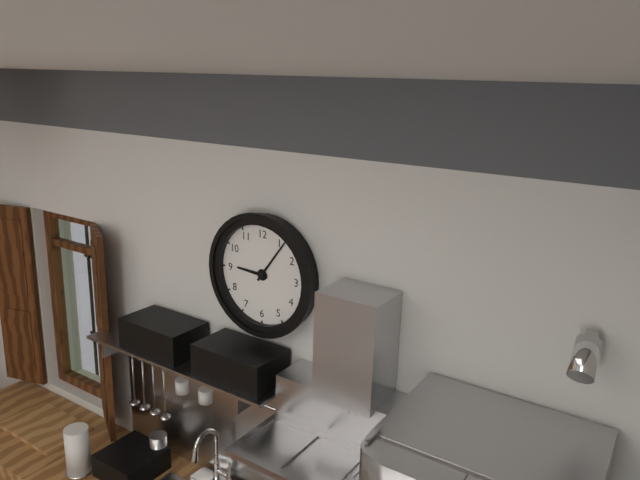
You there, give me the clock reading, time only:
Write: 9:06
